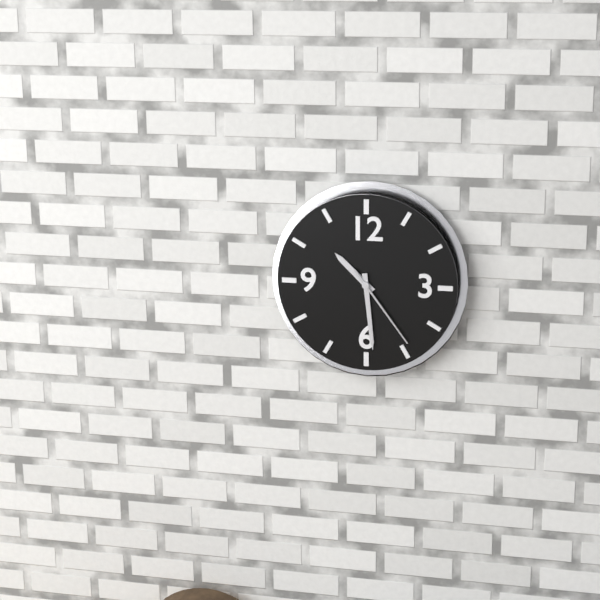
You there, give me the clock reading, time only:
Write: 10:29:24
